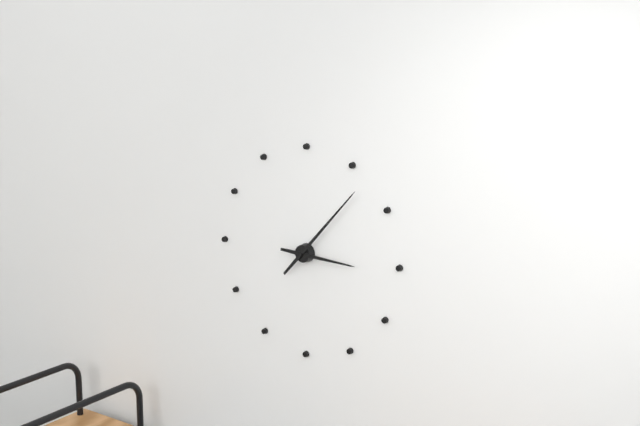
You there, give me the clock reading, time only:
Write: 3:07
